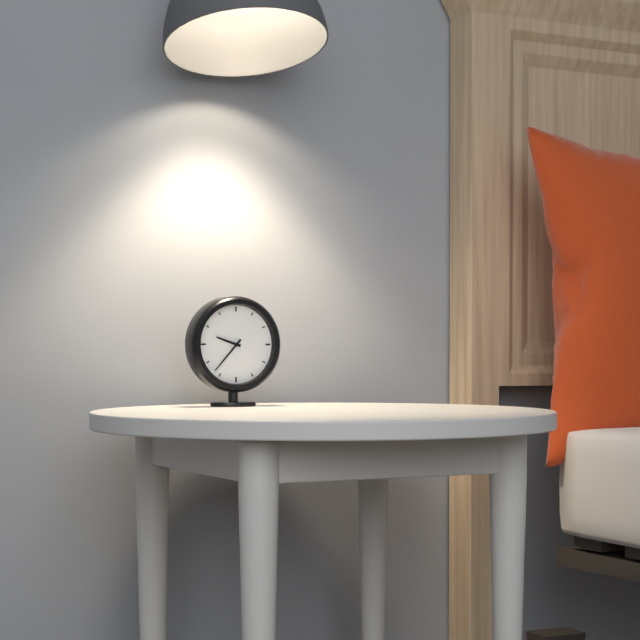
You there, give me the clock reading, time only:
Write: 9:37
